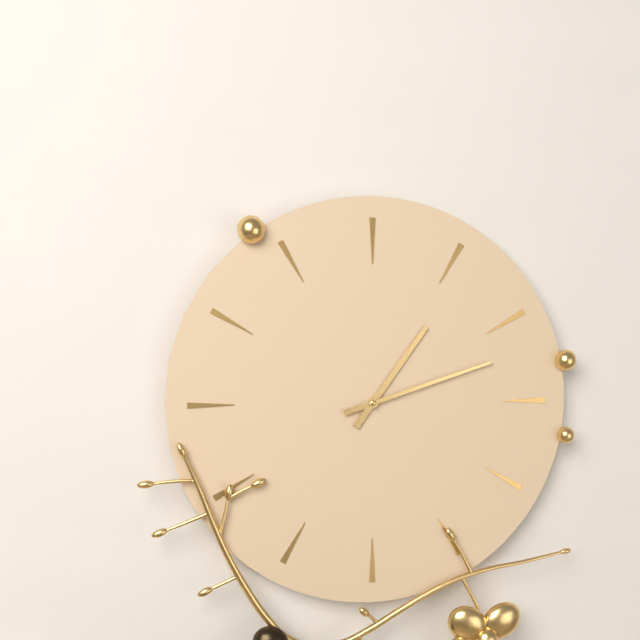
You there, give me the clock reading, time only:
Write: 1:12
